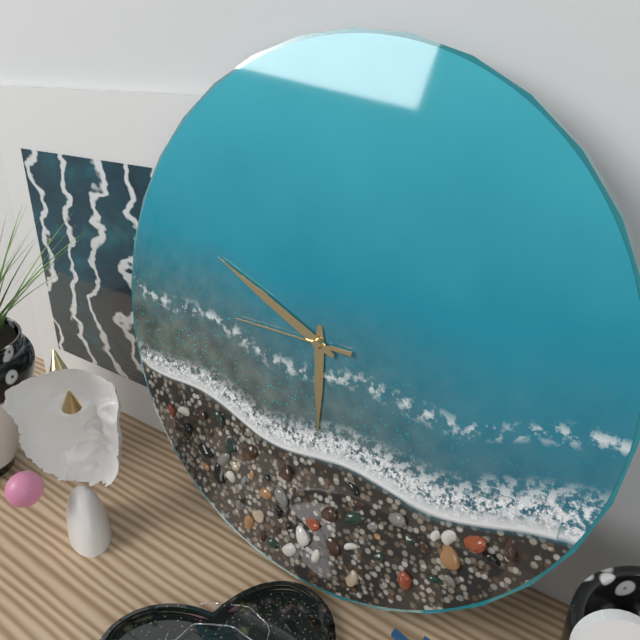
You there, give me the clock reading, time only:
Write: 5:49:45
